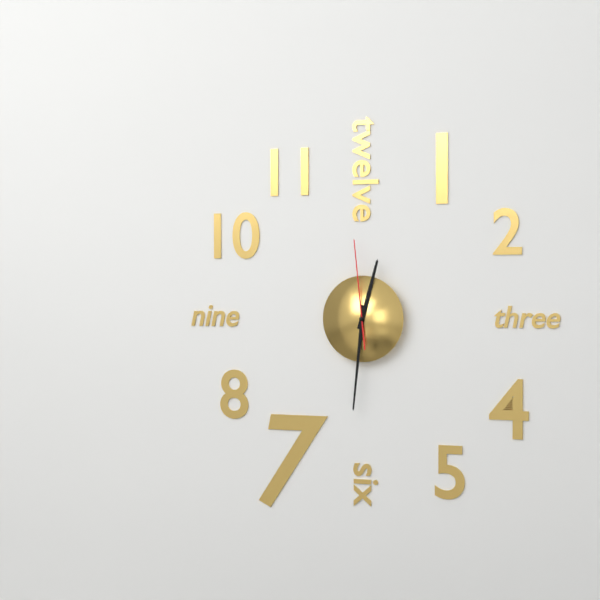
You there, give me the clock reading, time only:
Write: 12:31:59
